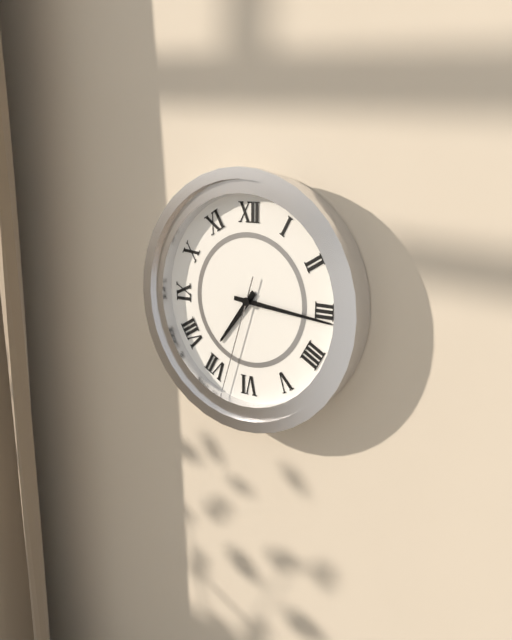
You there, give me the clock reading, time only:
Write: 7:16:33
